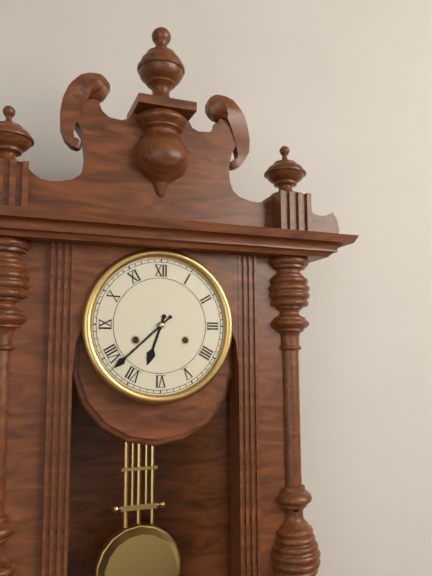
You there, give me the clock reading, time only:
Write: 6:38
